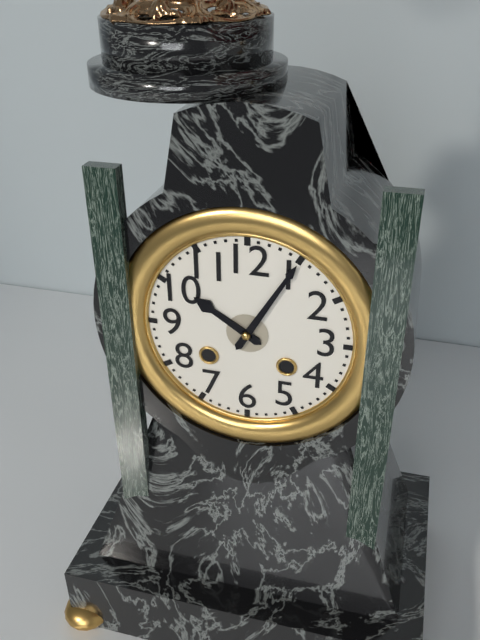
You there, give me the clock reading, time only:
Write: 10:05
